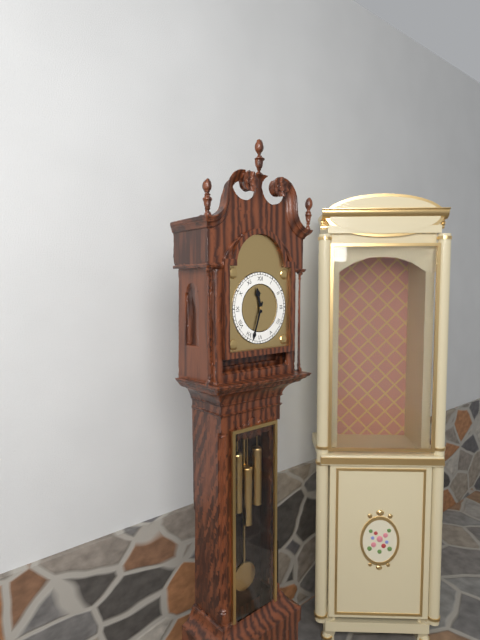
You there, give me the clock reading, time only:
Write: 11:33
